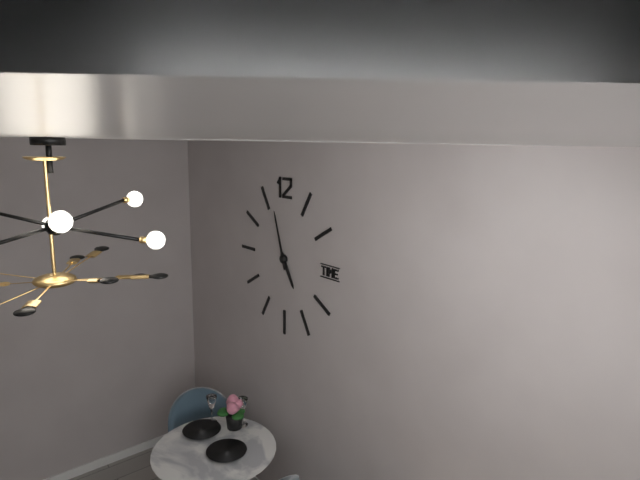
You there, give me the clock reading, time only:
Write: 4:57
